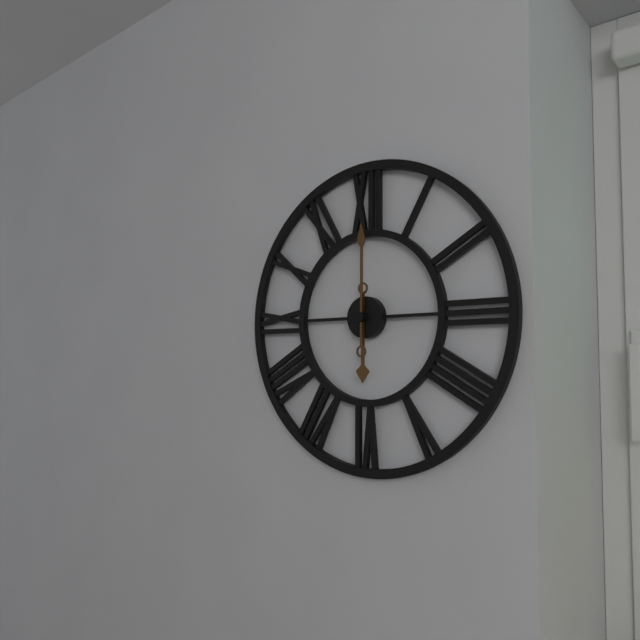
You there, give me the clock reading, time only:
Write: 6:00
